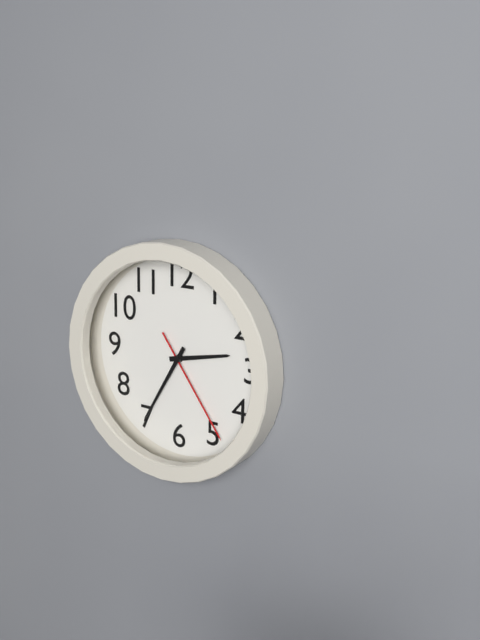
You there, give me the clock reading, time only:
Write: 2:35:24
